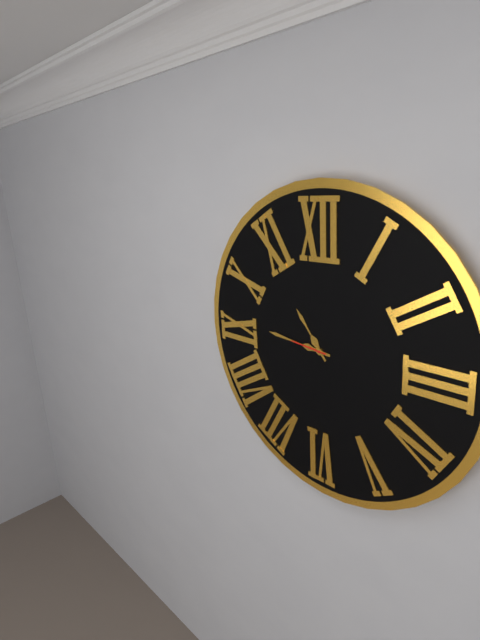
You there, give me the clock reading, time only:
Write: 10:46
